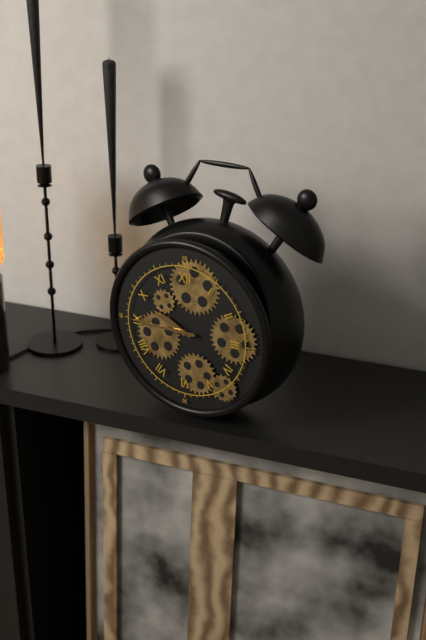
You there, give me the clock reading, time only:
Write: 9:45
